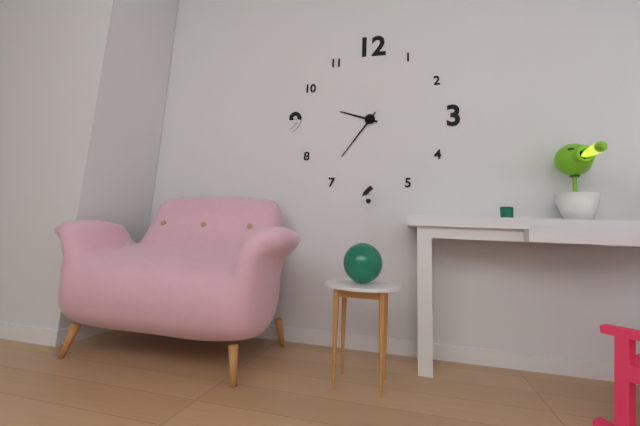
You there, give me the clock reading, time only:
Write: 9:36
